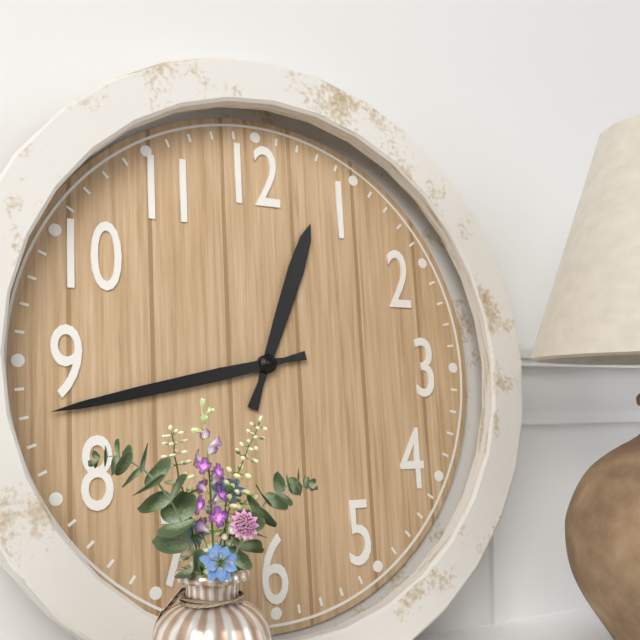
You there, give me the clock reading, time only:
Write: 12:43
